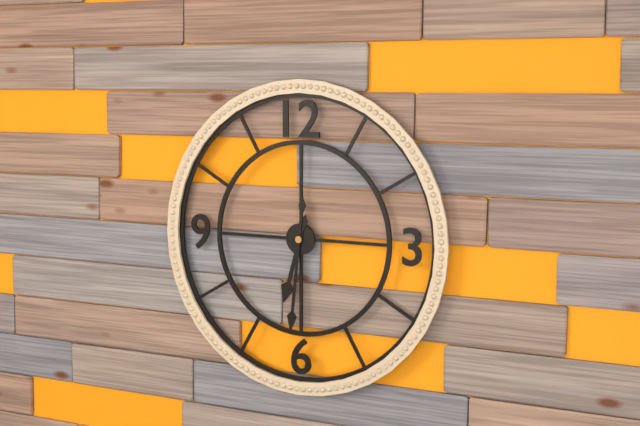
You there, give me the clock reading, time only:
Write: 6:31
